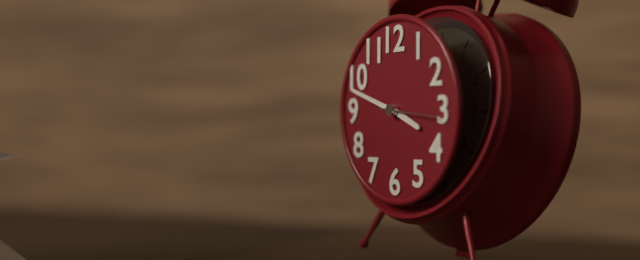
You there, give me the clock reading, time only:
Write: 3:48:16
